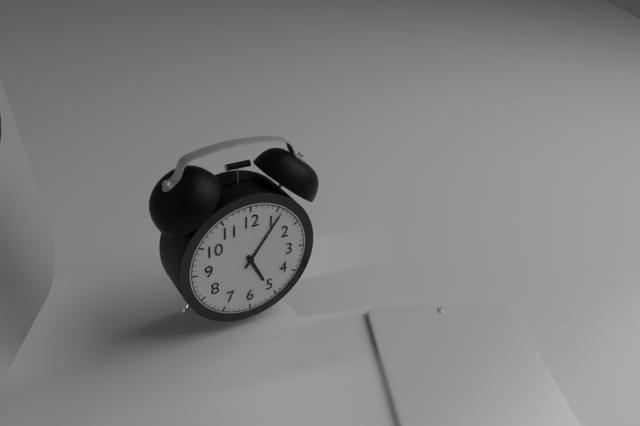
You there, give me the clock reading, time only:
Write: 5:06
